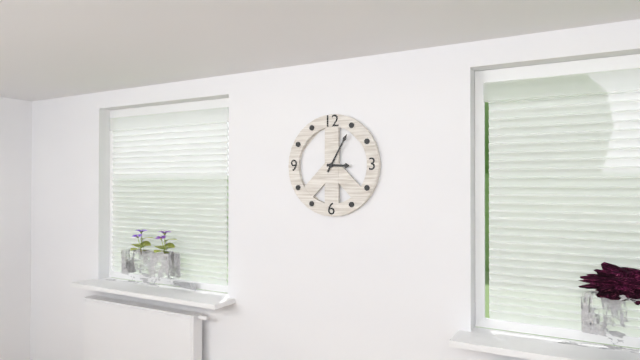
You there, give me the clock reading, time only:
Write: 3:05
